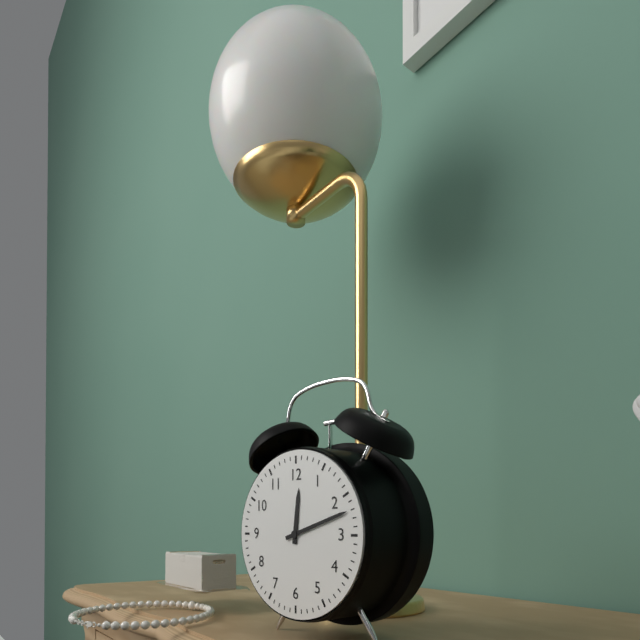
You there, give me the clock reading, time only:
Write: 12:12
